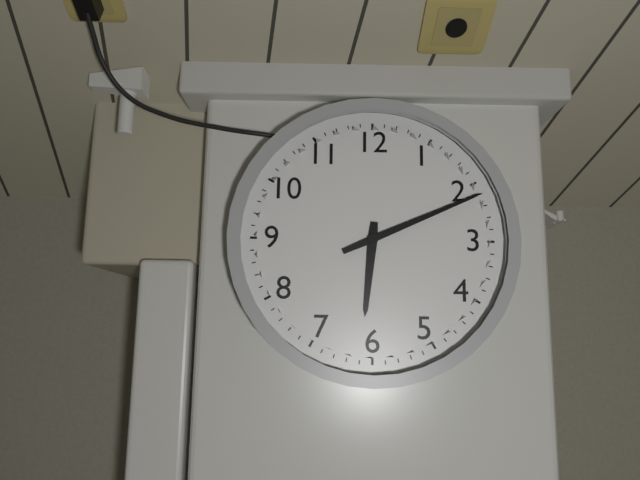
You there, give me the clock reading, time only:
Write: 6:11
